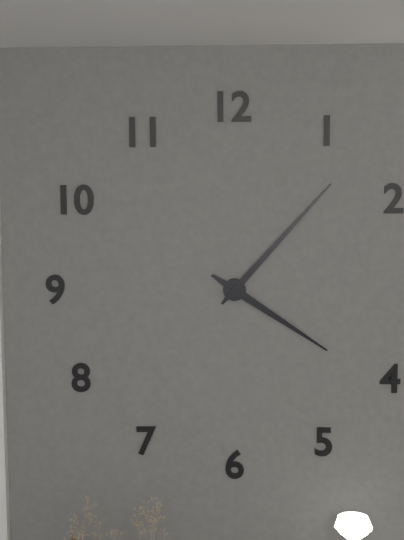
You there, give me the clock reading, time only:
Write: 4:07
